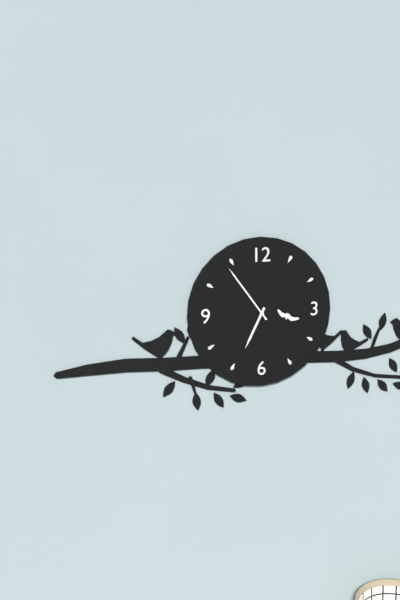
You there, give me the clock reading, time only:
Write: 6:54
